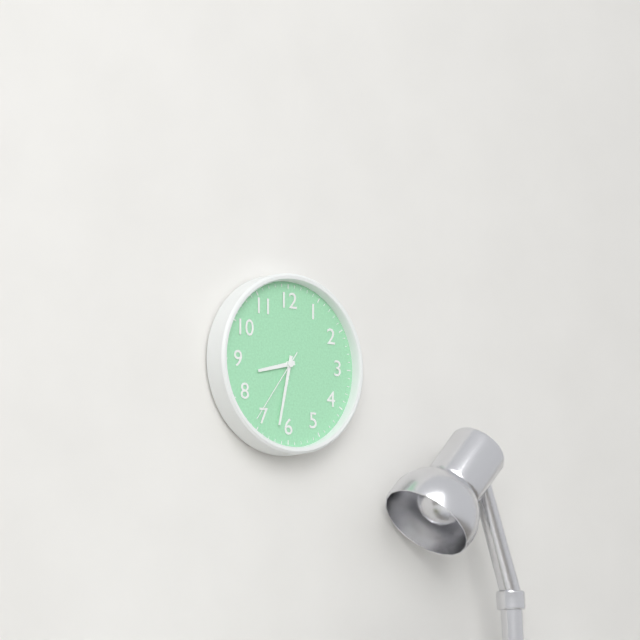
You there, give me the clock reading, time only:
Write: 8:32:36
